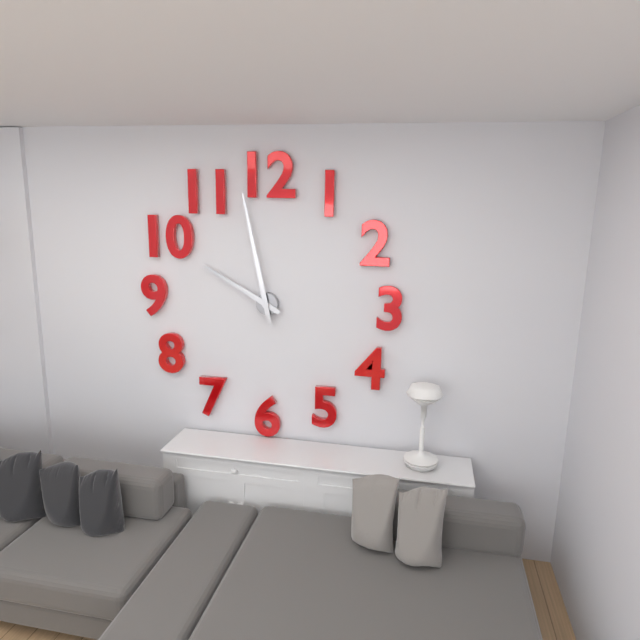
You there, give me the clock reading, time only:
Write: 9:58
